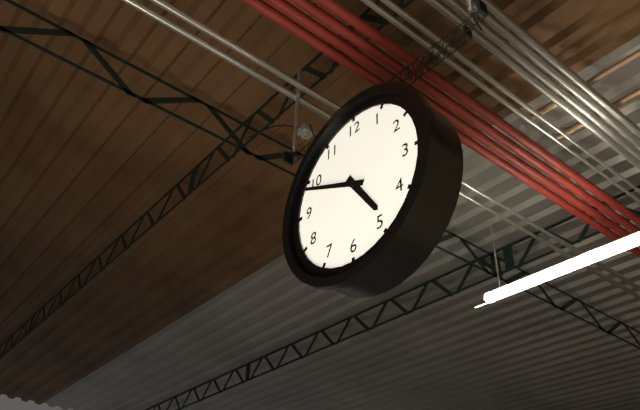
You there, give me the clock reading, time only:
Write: 4:49
